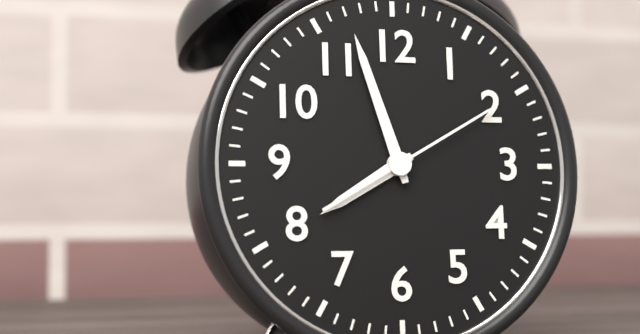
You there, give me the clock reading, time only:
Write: 7:57:10
